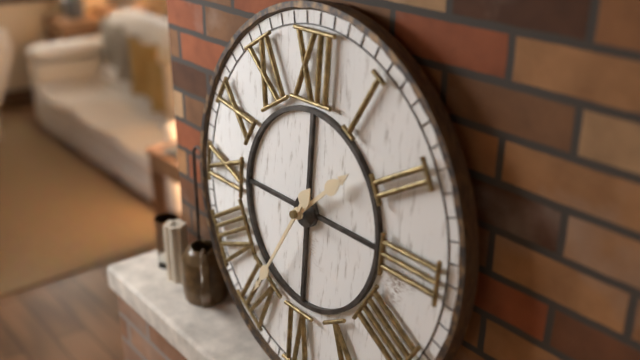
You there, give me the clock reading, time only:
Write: 1:35
